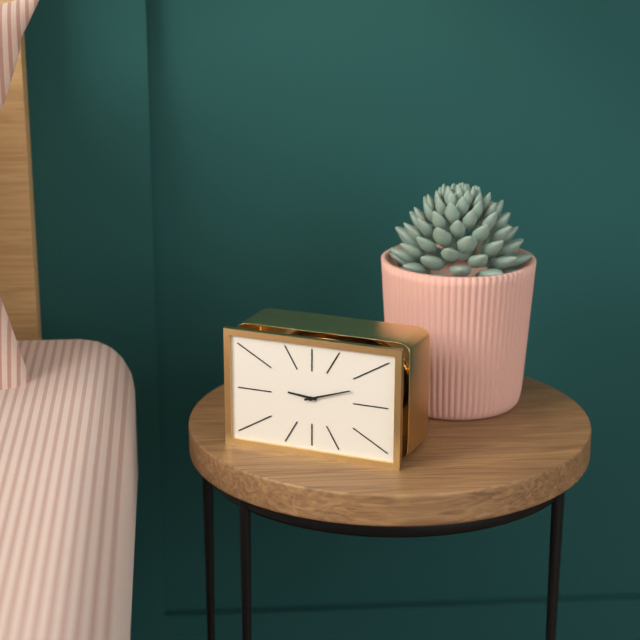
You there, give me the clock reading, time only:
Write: 9:12
